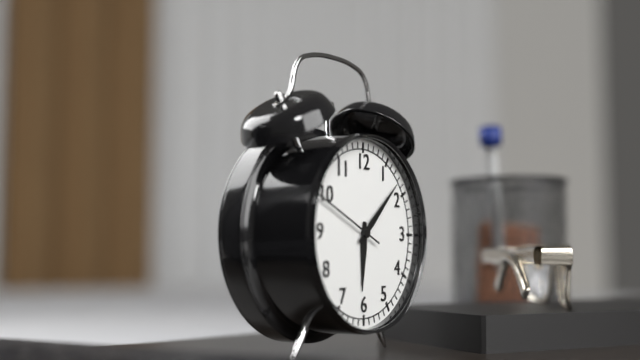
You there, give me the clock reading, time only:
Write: 6:08:49
